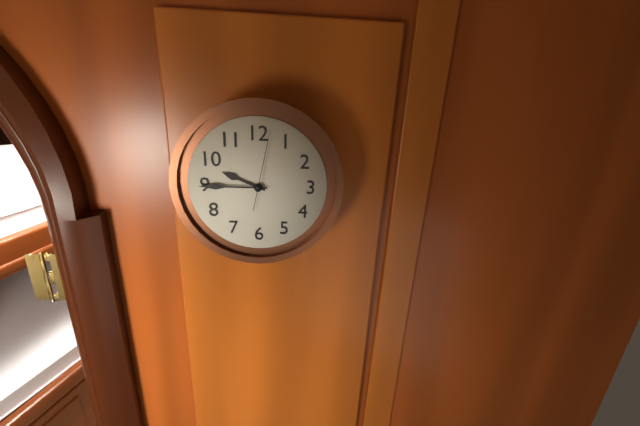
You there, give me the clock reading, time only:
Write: 9:45:02
